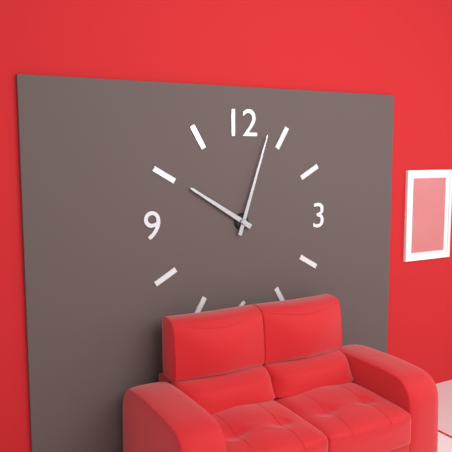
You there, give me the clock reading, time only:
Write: 10:03
